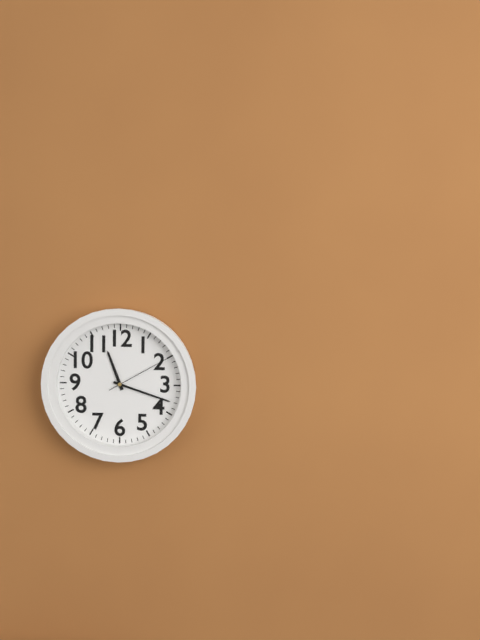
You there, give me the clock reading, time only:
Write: 11:18:10
